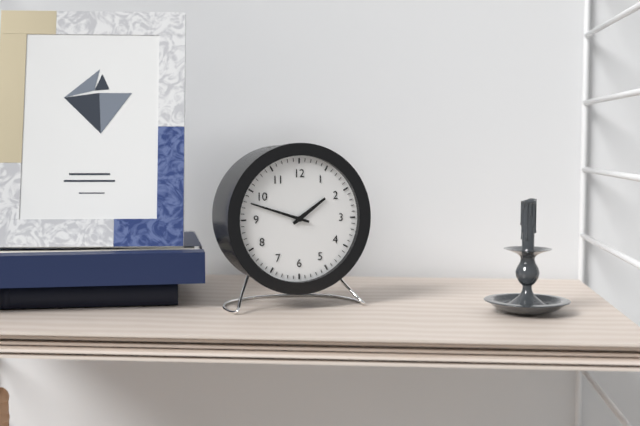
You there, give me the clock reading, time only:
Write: 1:48
